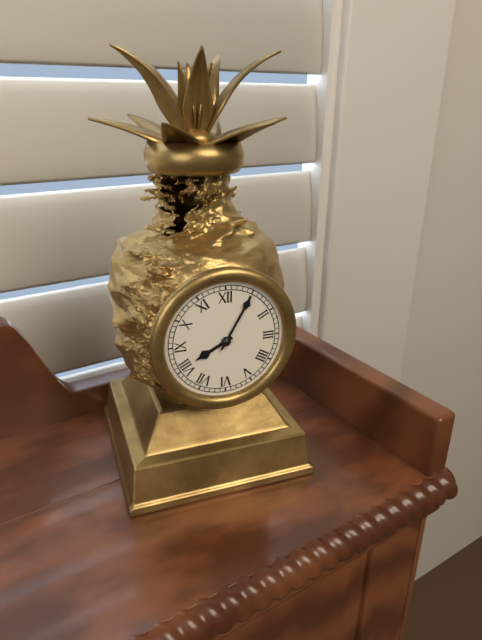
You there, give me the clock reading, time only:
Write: 8:05
